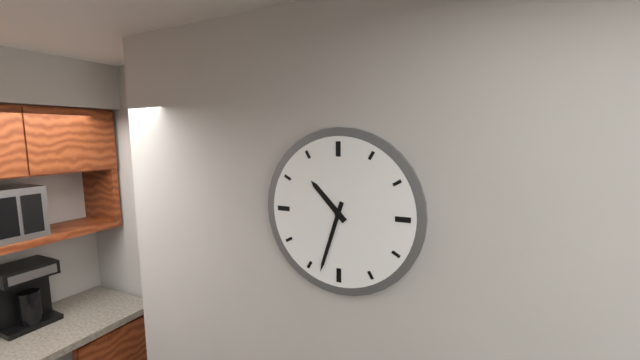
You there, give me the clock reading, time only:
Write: 10:33
